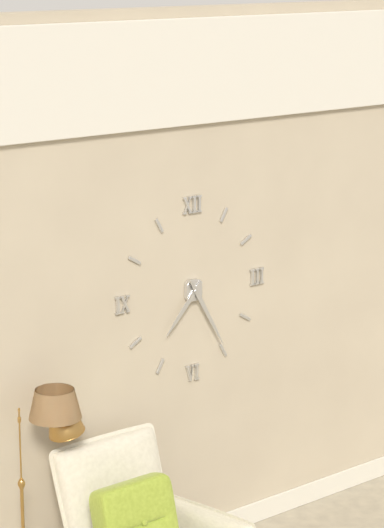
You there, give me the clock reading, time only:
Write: 7:25
